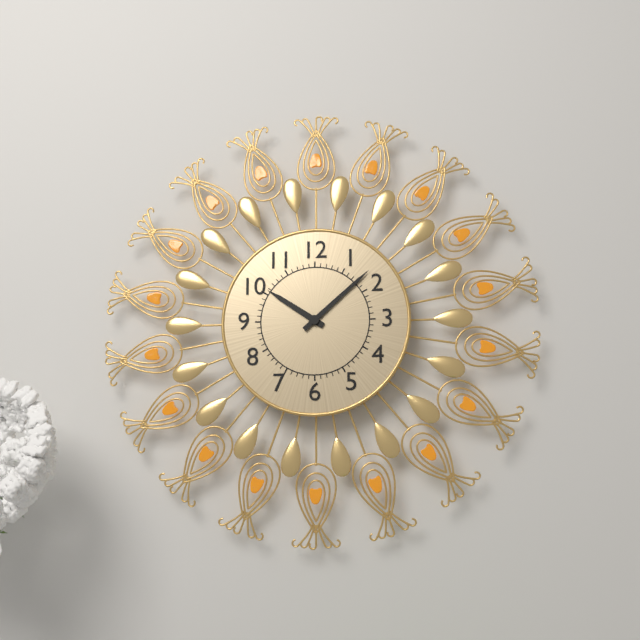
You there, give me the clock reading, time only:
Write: 10:08
